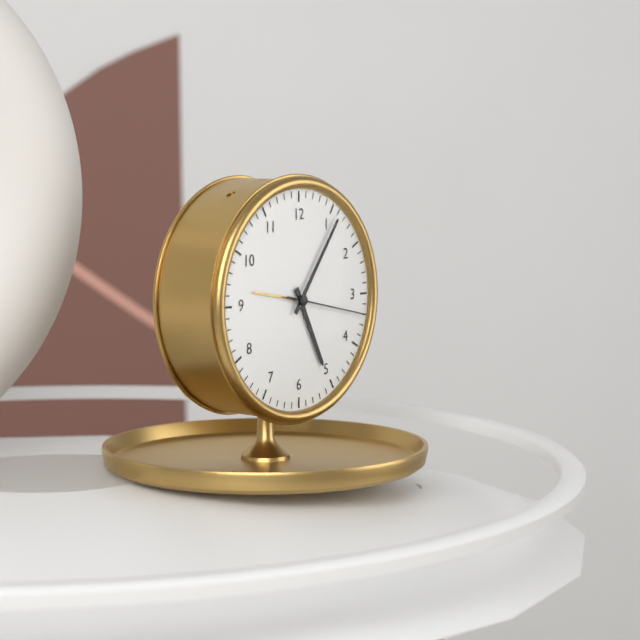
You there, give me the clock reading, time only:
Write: 5:06:17
